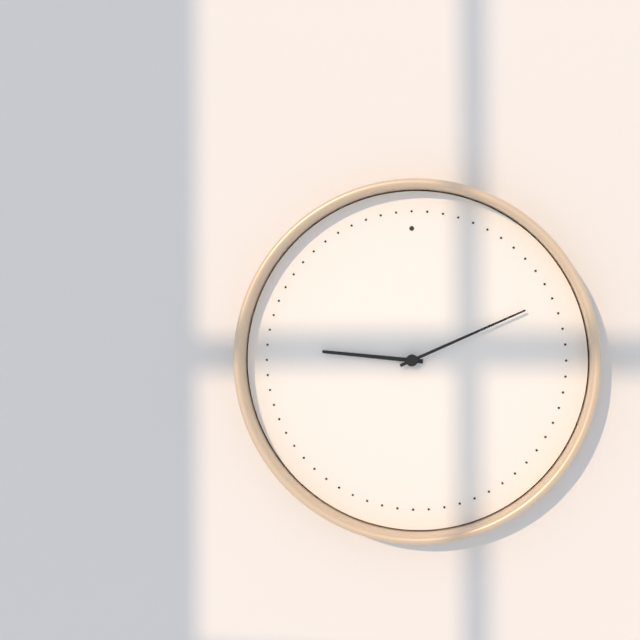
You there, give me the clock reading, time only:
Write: 9:11
